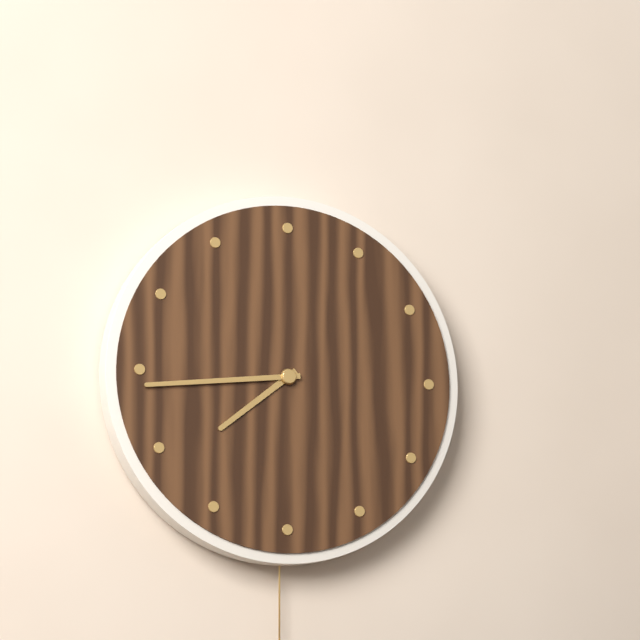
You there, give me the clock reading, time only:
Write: 7:44
